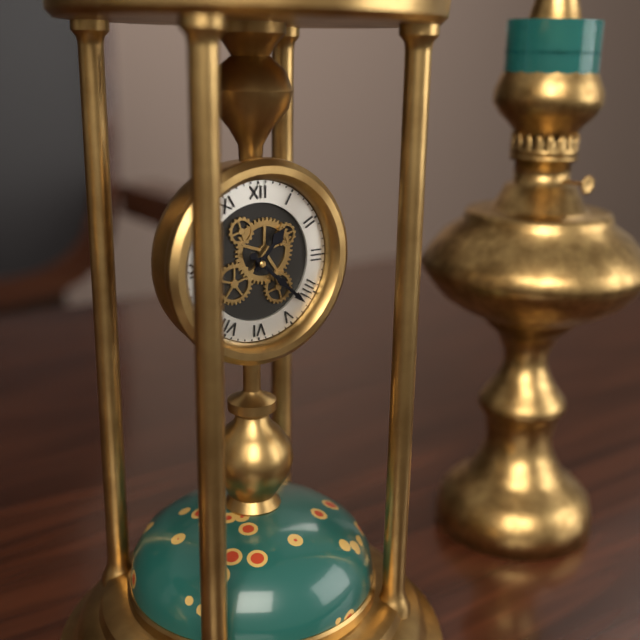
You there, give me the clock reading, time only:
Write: 1:22
